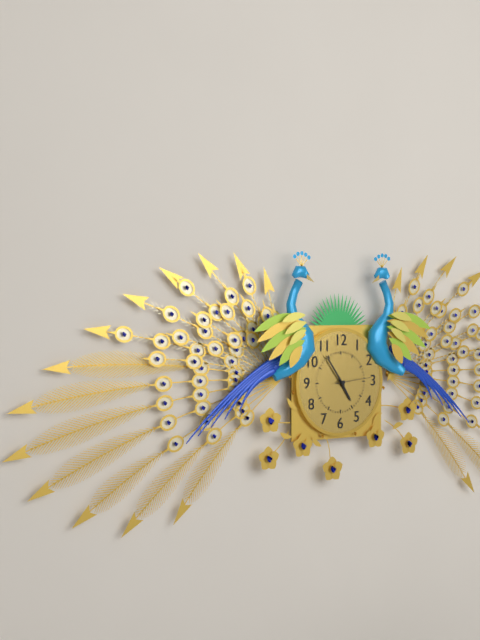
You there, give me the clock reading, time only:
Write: 4:54
